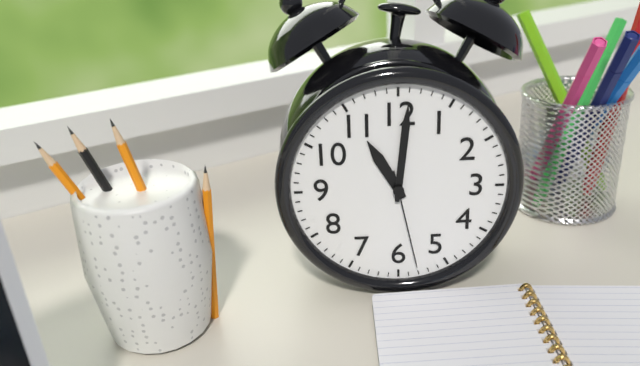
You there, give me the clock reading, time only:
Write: 11:01:28
